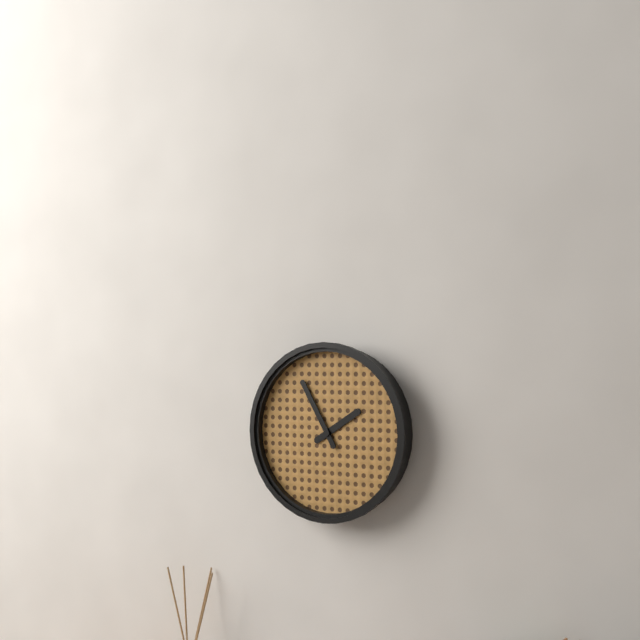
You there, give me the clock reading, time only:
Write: 1:55
